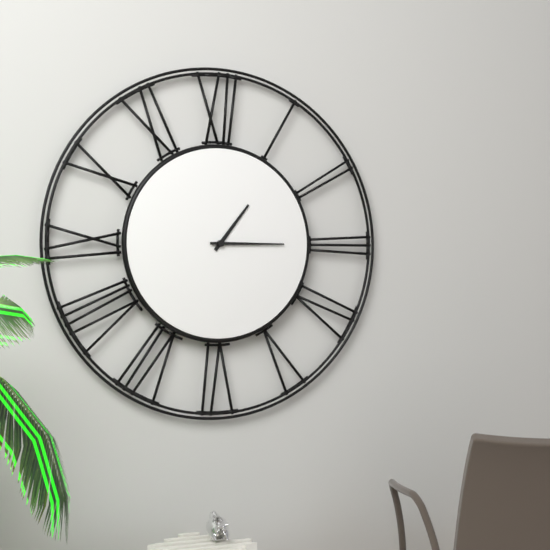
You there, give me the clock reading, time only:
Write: 1:15
